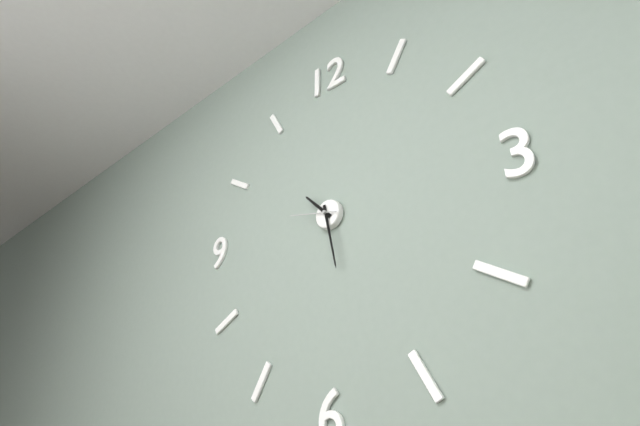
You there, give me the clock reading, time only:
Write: 10:28
